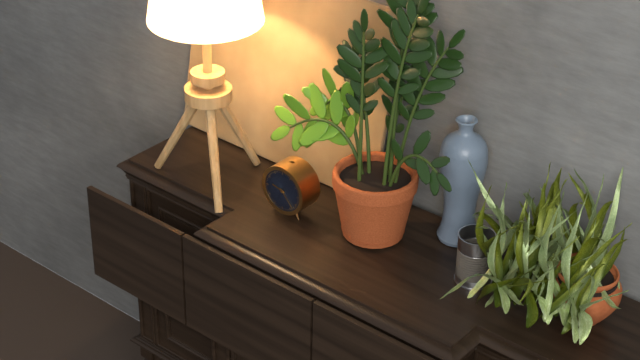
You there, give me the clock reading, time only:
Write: 9:23
